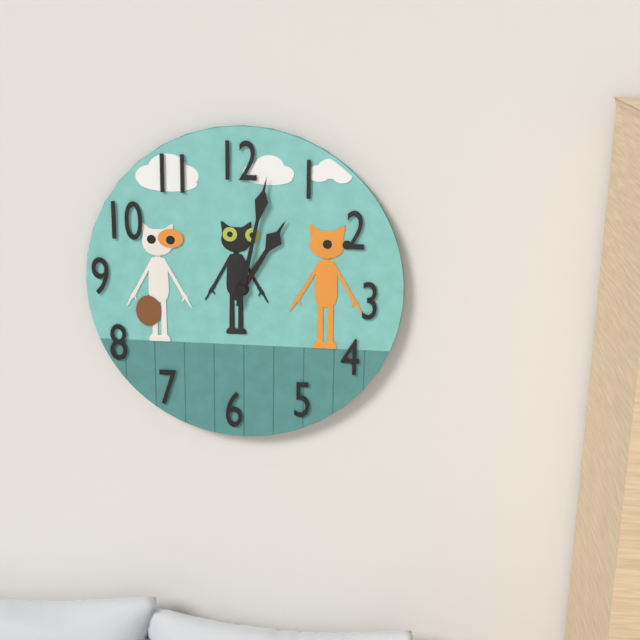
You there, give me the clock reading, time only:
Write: 1:02
